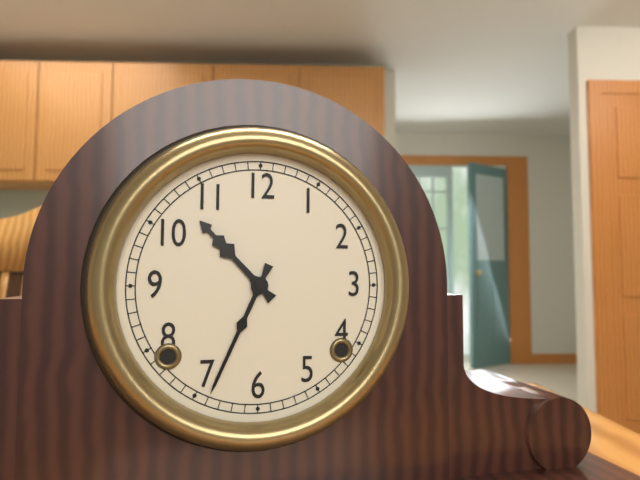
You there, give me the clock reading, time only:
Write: 10:34
